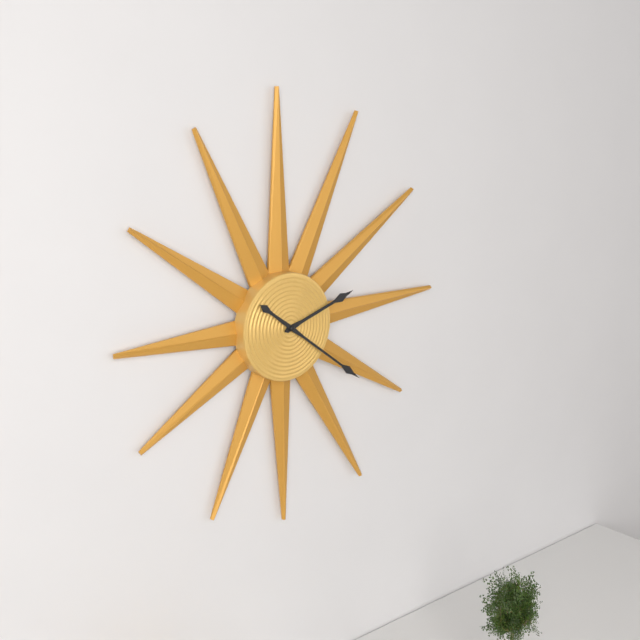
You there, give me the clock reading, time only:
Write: 2:21
